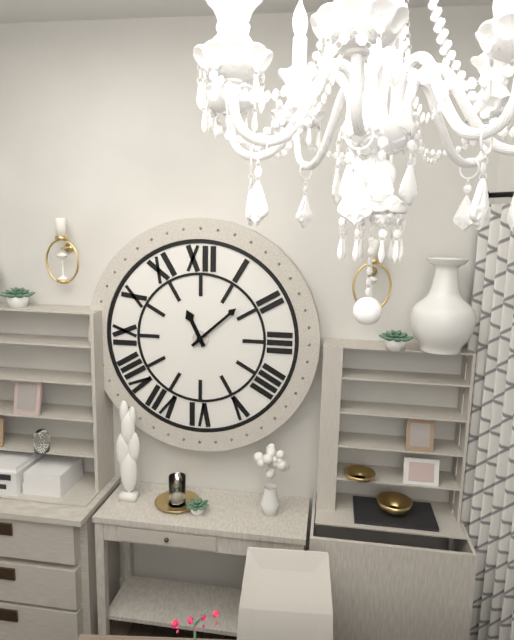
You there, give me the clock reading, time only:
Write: 11:08
